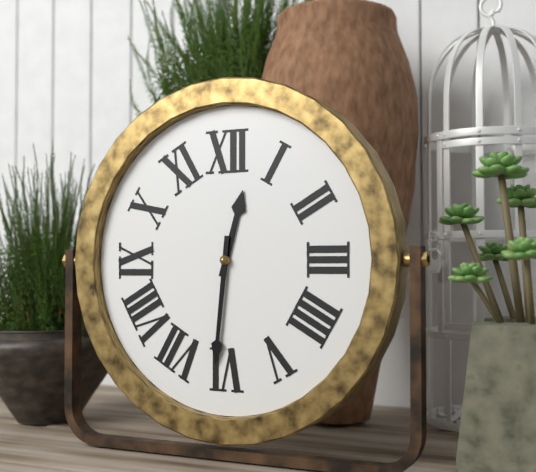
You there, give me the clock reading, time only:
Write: 12:31
